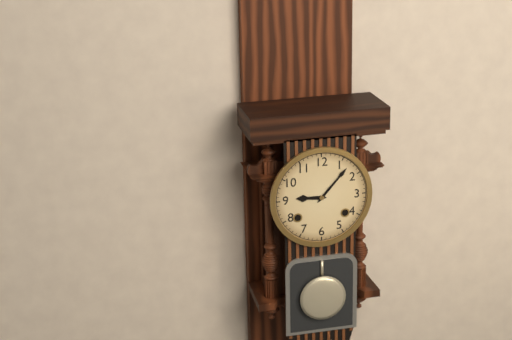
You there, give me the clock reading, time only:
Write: 9:07
